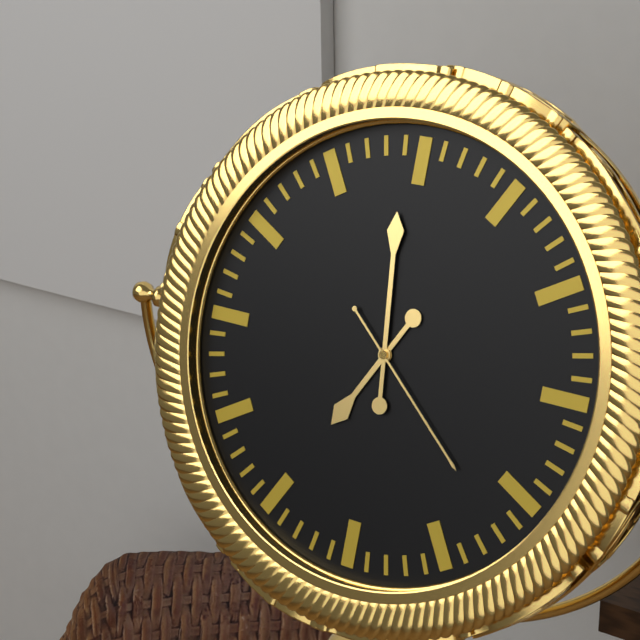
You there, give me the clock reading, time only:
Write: 6:59:22
